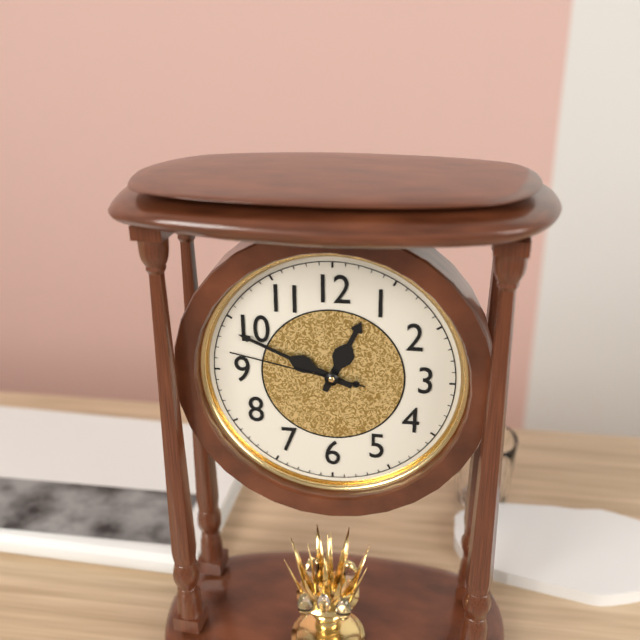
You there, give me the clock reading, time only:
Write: 12:49:47
